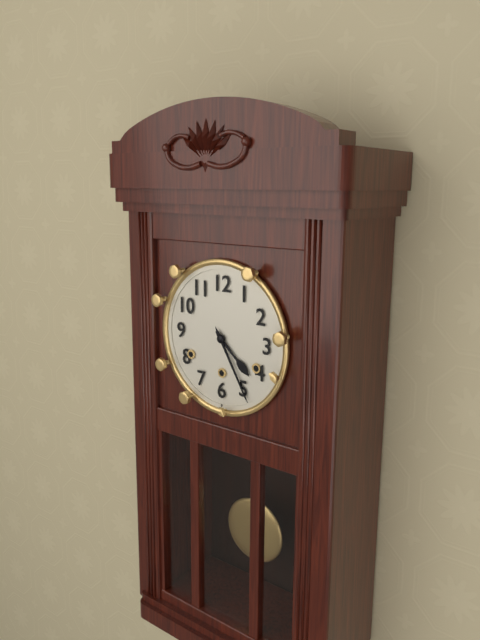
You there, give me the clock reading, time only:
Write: 4:25
